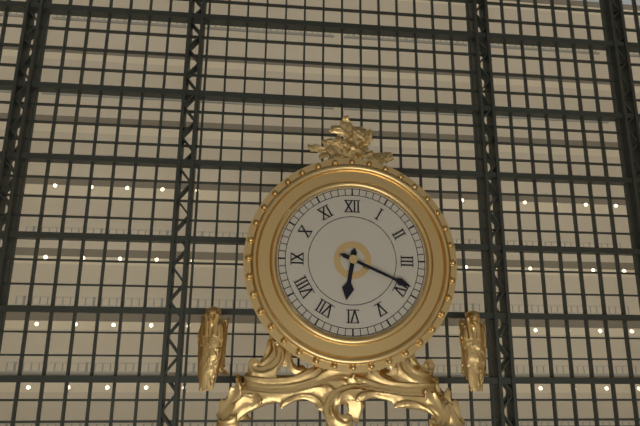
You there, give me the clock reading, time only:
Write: 6:19
